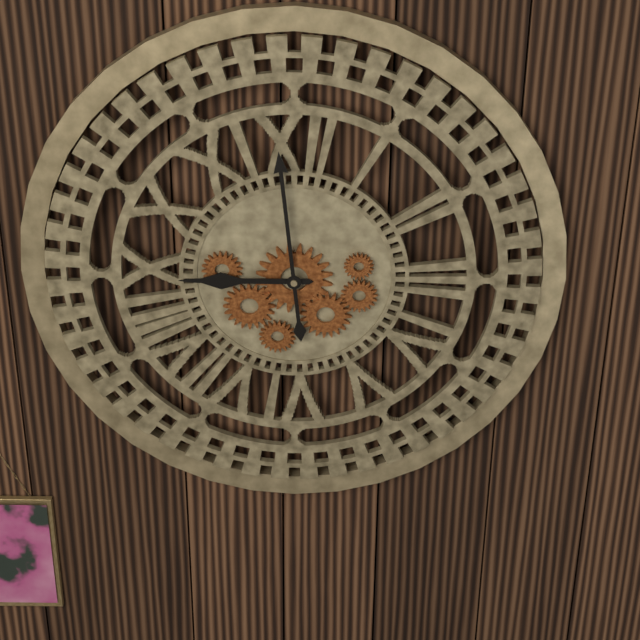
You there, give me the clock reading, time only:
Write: 8:59
